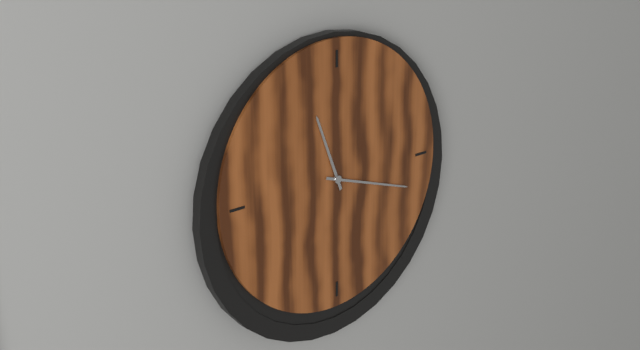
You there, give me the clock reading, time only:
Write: 11:18
